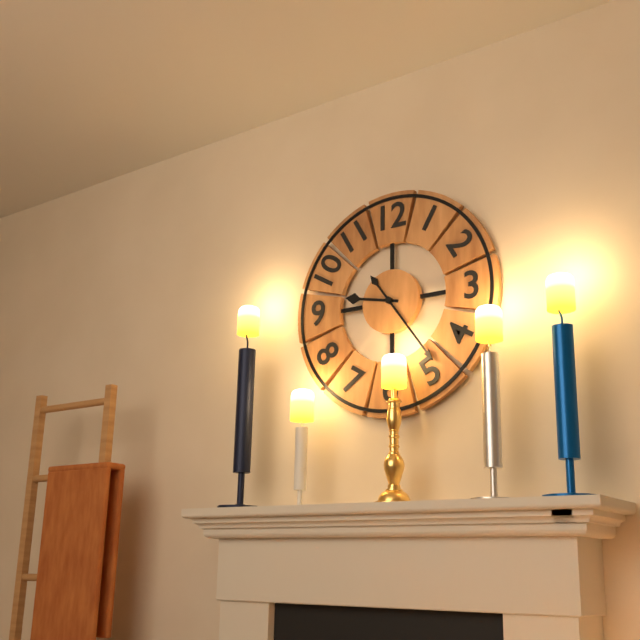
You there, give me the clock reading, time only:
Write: 9:24
